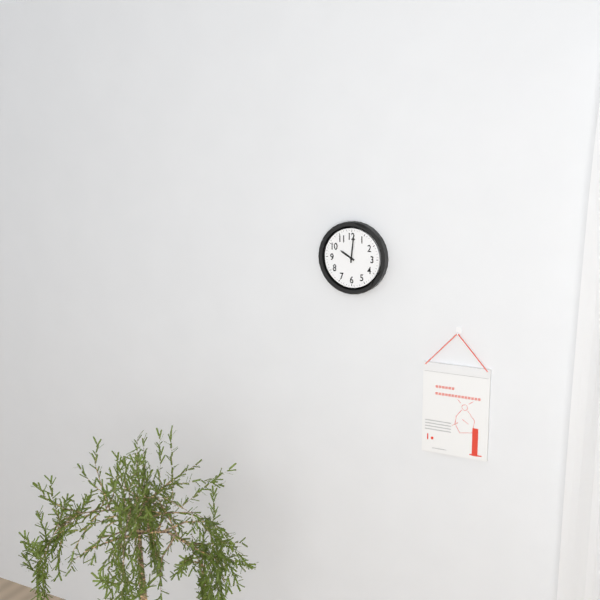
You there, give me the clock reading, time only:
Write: 10:01
